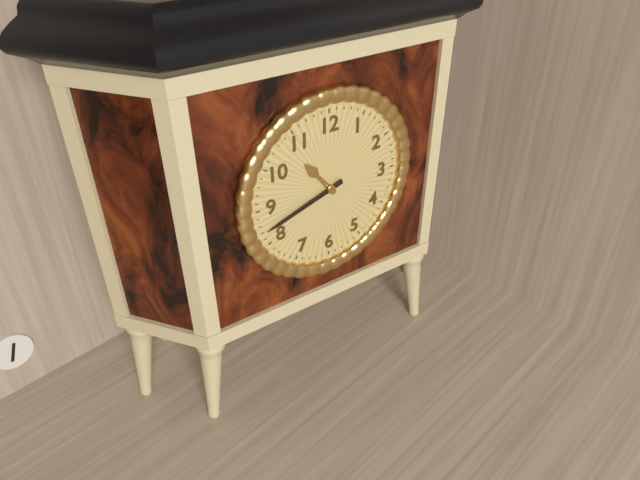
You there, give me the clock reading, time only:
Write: 10:42
